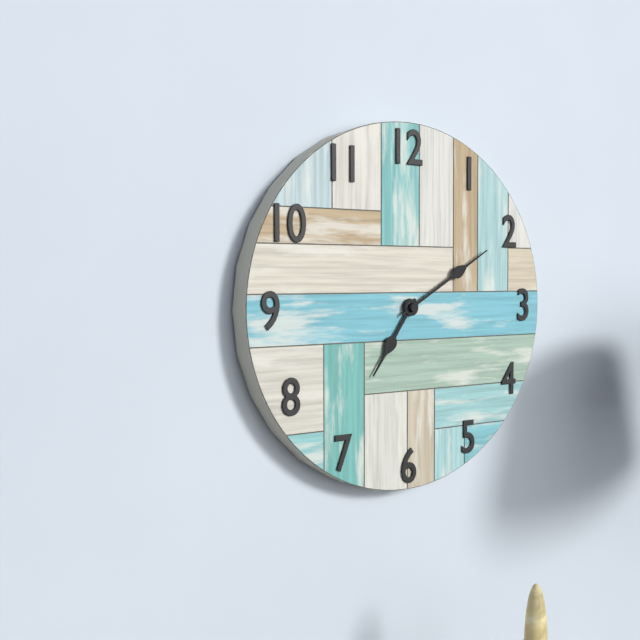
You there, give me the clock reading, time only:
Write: 7:10
